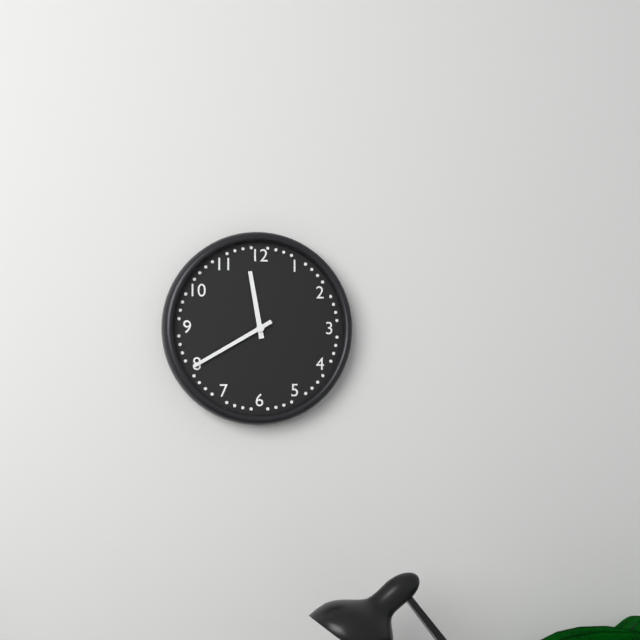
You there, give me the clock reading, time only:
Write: 11:40
